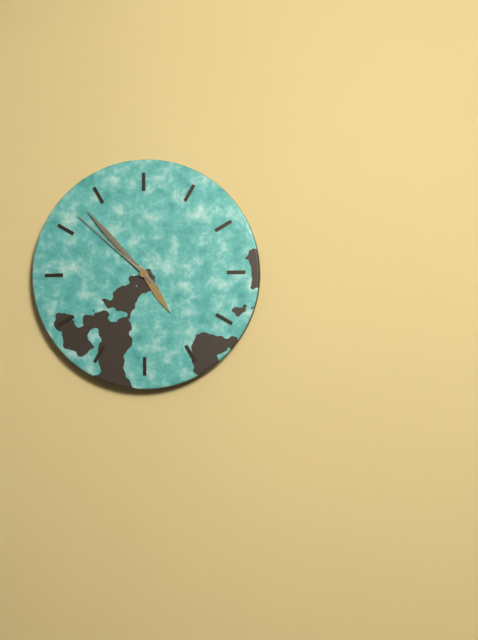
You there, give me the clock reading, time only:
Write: 4:53:52
